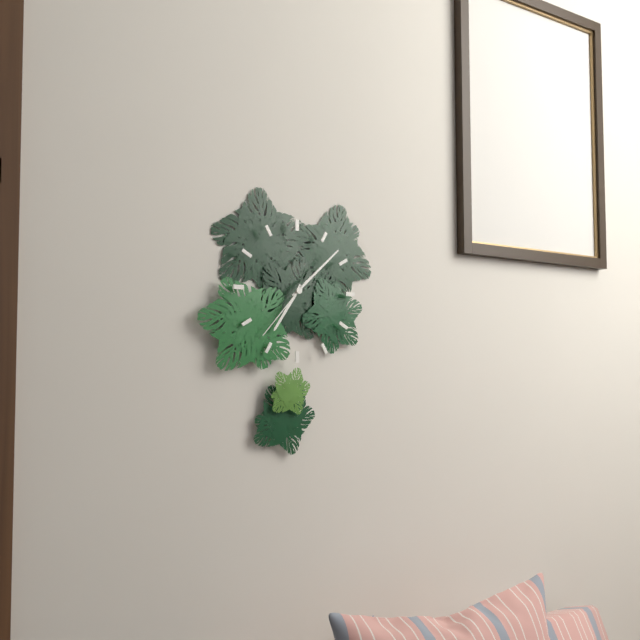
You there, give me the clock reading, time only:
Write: 7:08:37
